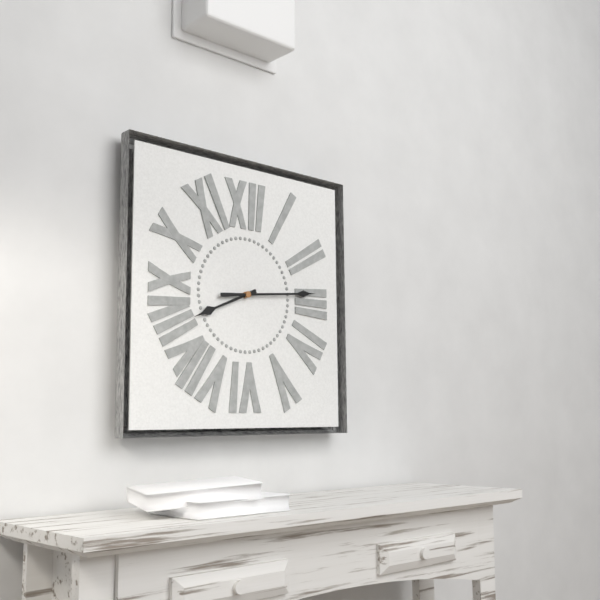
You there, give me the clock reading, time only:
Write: 8:14
